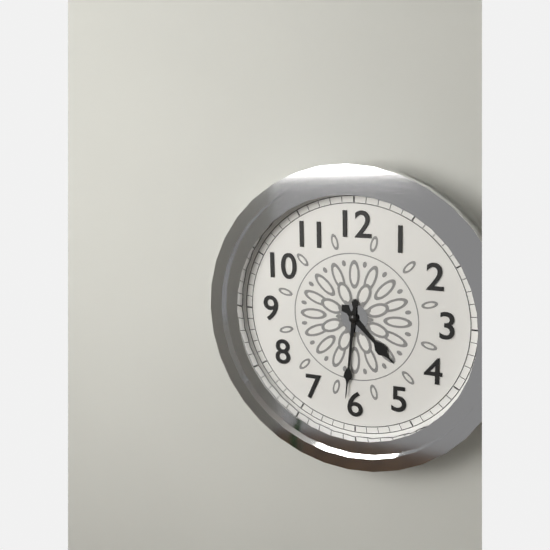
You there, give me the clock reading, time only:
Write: 4:31
